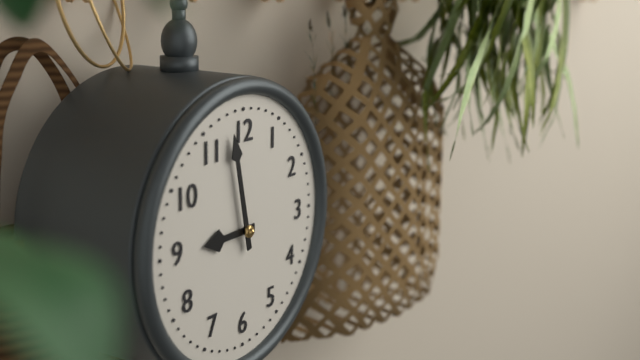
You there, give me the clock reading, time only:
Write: 8:58
